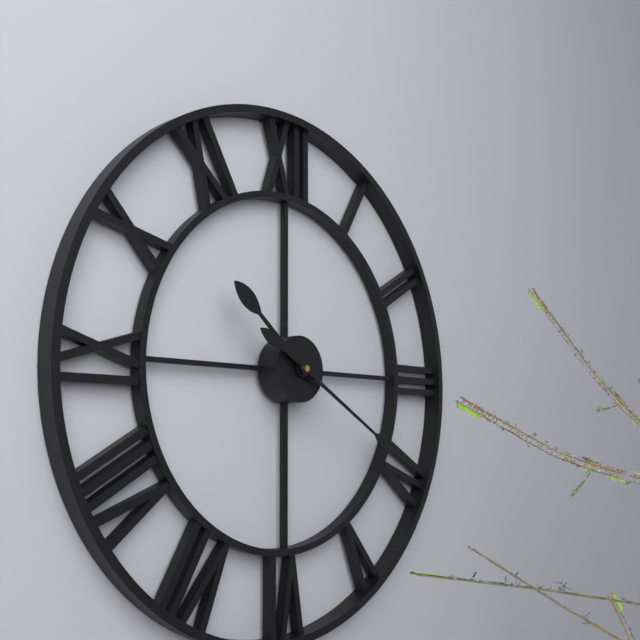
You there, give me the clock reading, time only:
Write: 10:20
